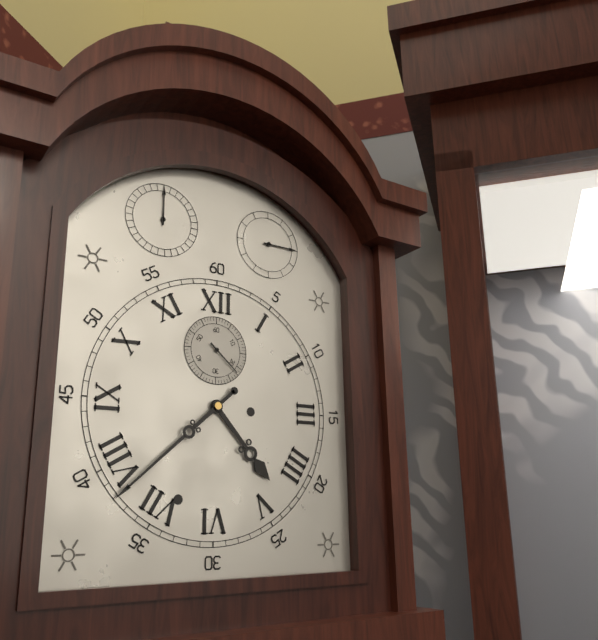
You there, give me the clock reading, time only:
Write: 4:38
